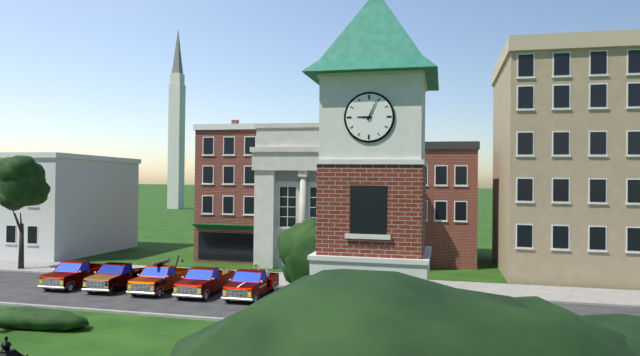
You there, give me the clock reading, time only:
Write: 9:04
